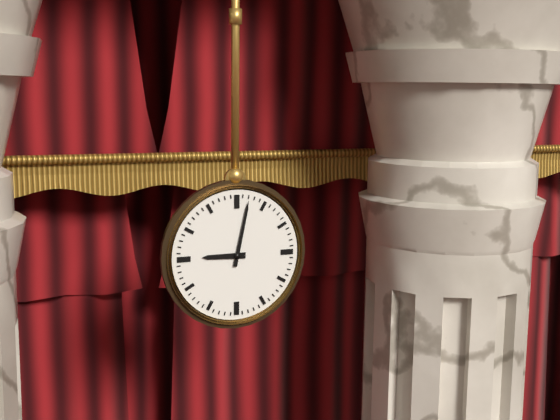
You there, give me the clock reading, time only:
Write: 9:02
